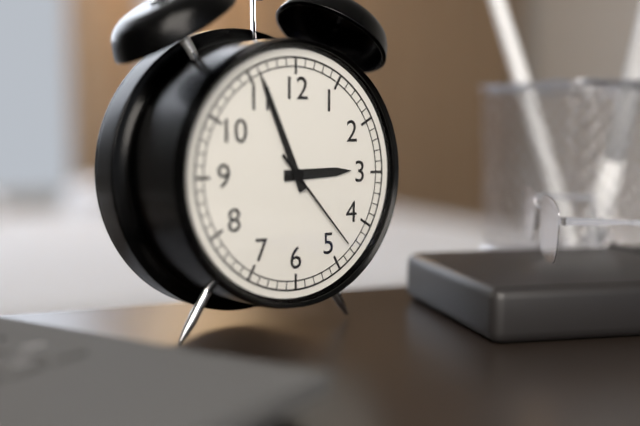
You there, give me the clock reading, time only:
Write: 2:56:23
